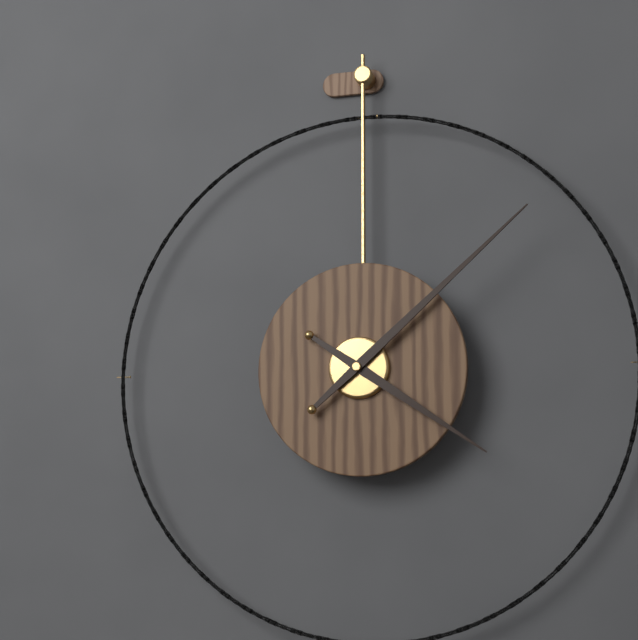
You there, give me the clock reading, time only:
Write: 4:08
